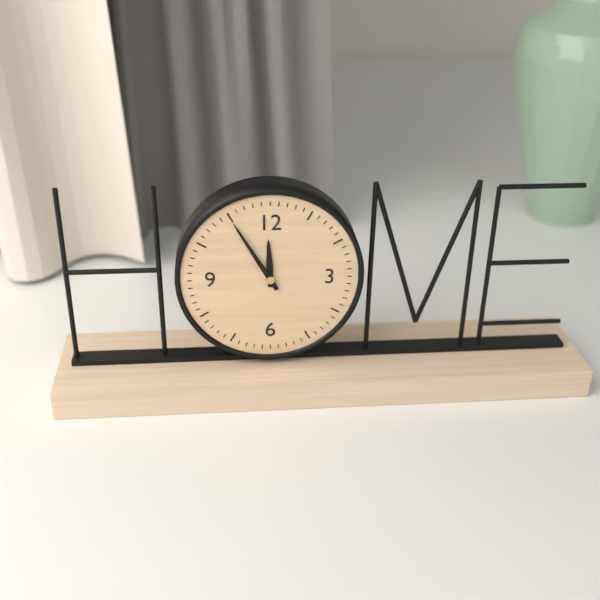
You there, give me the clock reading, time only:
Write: 11:55
